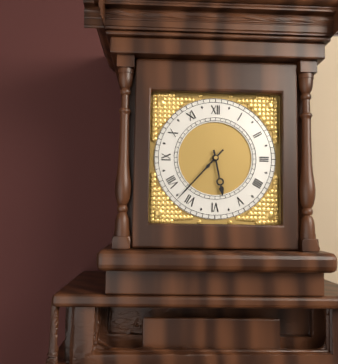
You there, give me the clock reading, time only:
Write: 5:37
